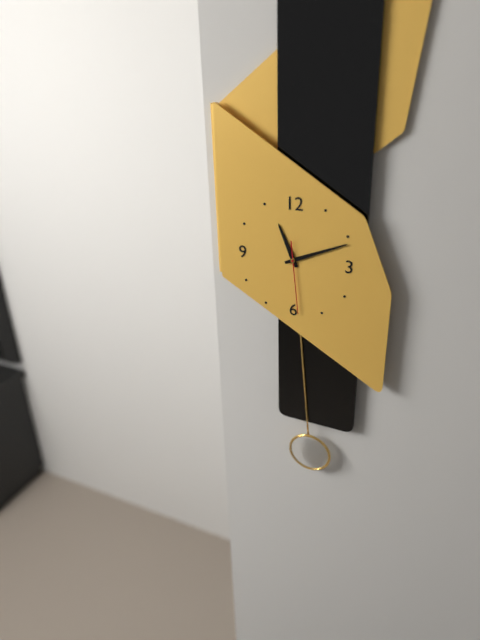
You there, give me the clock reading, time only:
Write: 11:11:29
